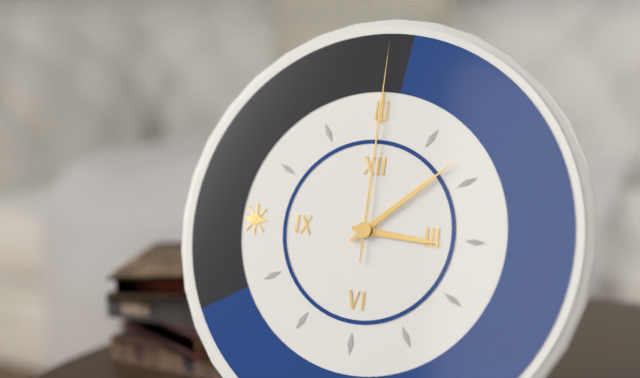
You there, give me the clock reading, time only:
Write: 3:08:00
